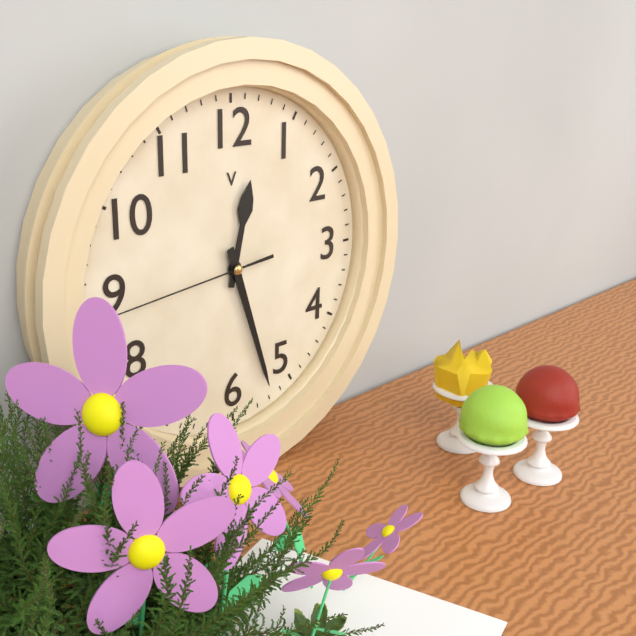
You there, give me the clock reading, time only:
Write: 12:27:44
